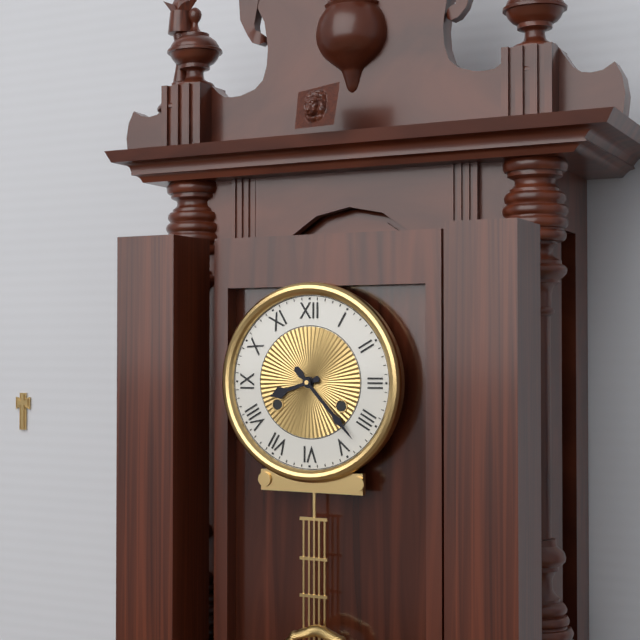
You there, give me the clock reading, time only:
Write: 8:23
